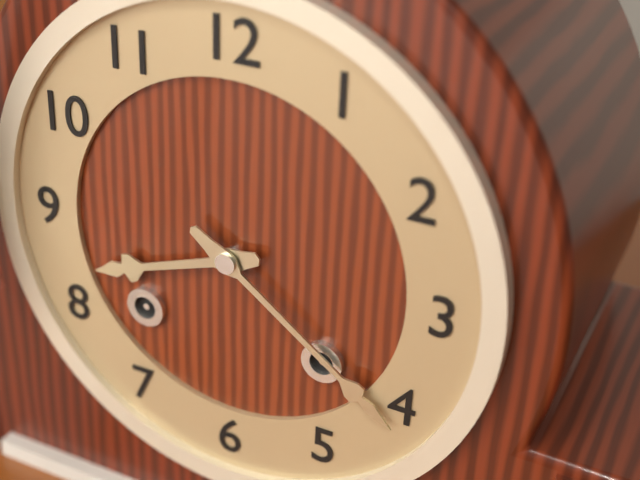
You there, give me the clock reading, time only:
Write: 8:21
